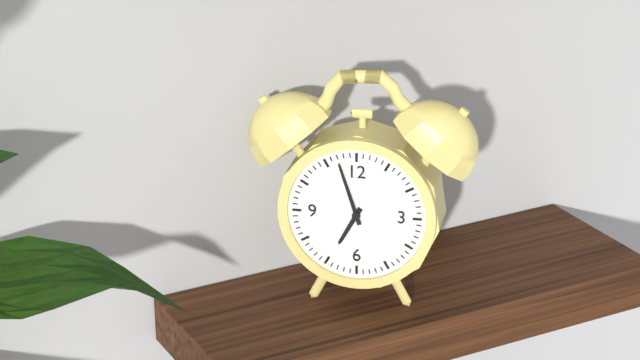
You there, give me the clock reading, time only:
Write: 6:57
